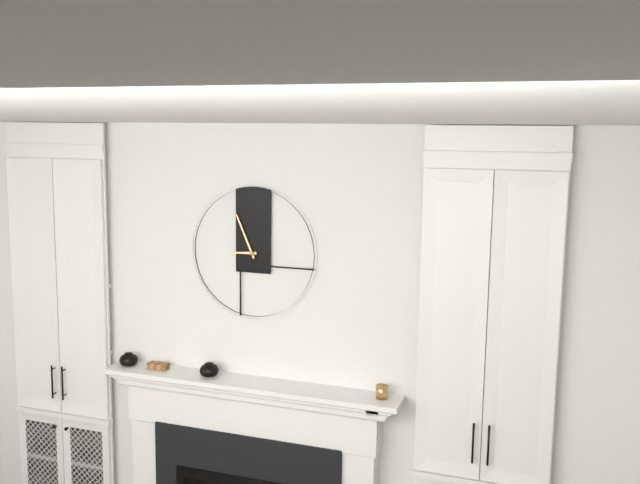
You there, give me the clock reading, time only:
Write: 8:56
